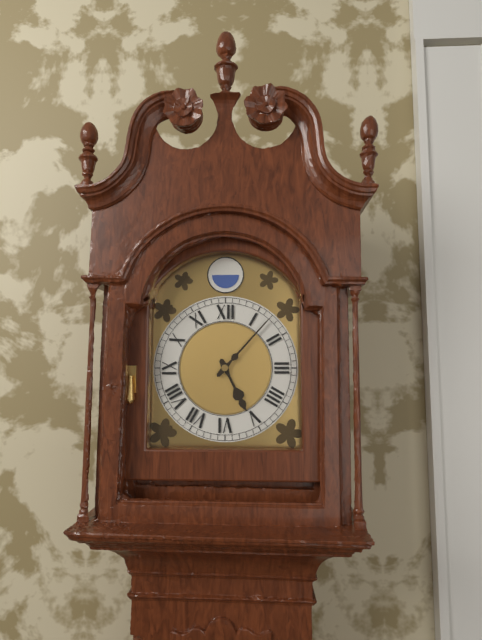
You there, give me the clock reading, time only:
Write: 5:07
